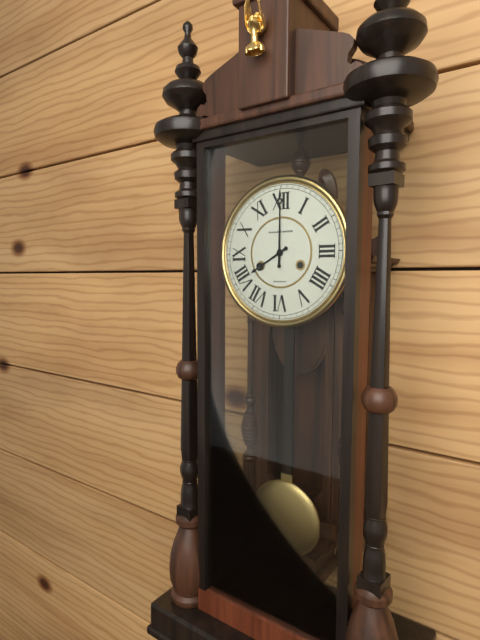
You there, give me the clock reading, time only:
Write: 8:00
